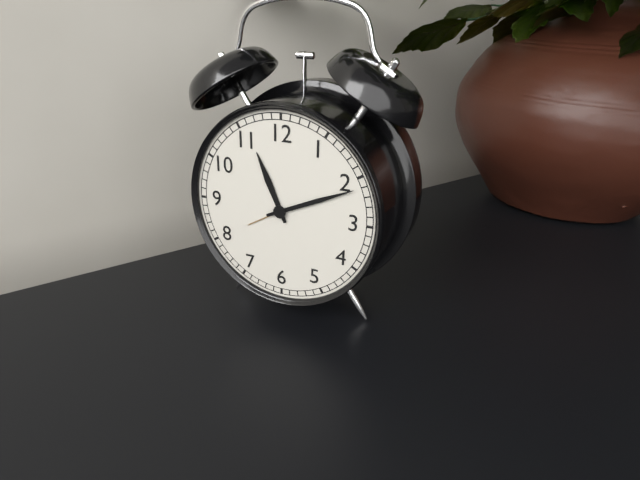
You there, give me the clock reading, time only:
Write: 11:11
